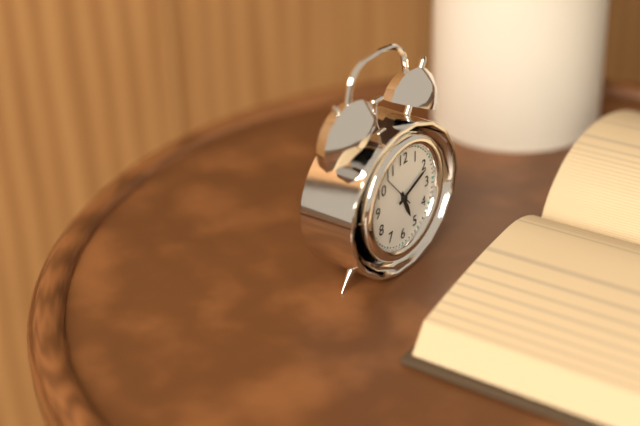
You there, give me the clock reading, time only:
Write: 5:11
